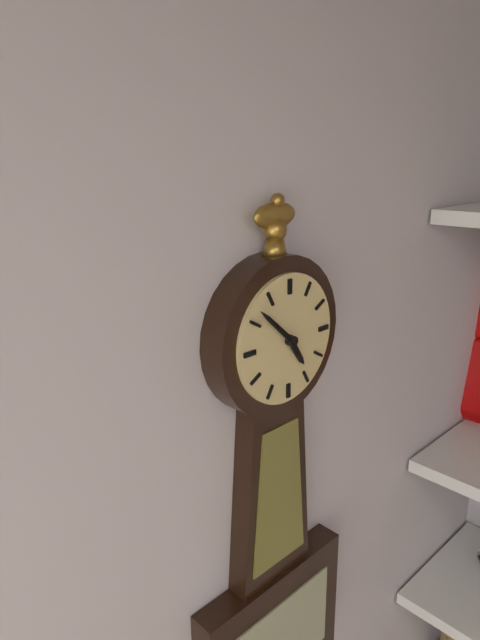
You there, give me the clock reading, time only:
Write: 4:52
